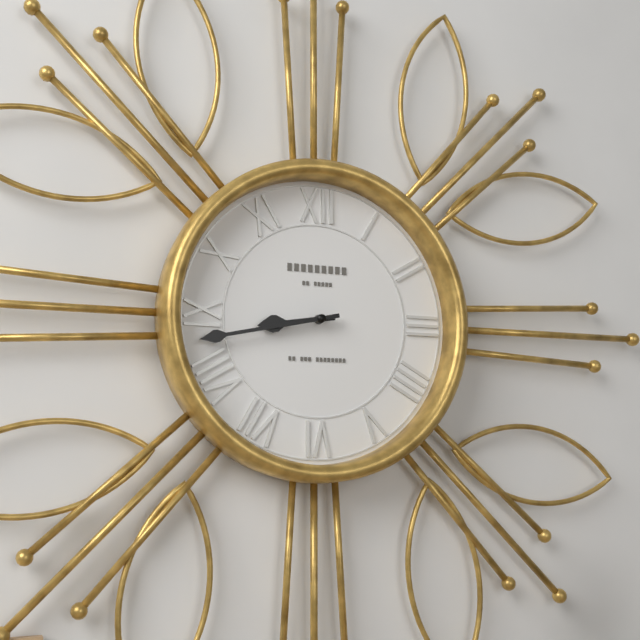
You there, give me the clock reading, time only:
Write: 8:43
